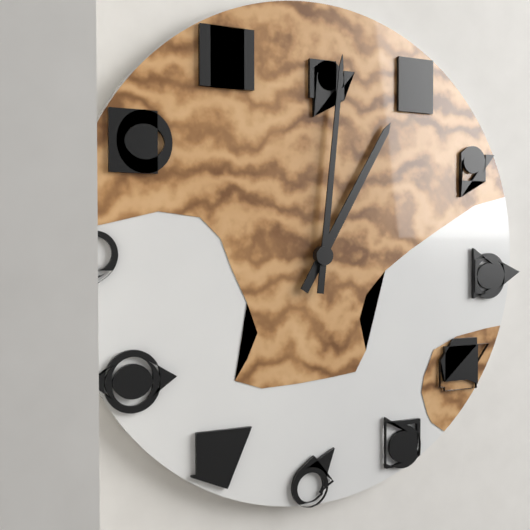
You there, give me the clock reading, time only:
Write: 1:01
